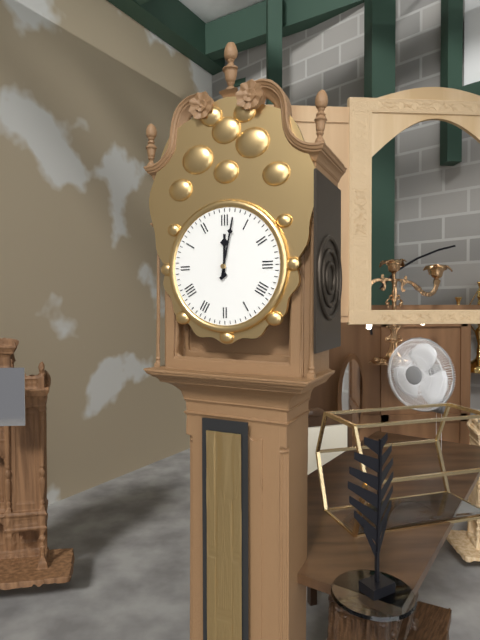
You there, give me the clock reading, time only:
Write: 12:02
